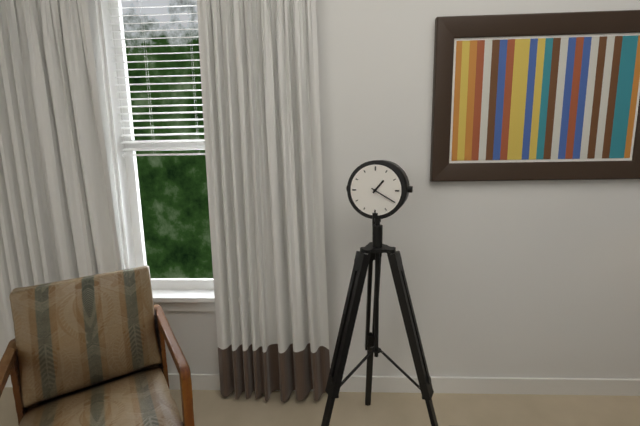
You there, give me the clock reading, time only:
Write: 1:20
